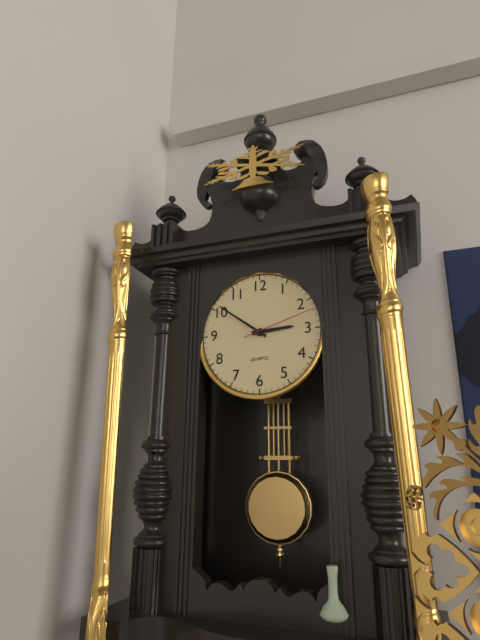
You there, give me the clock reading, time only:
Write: 2:51:12
